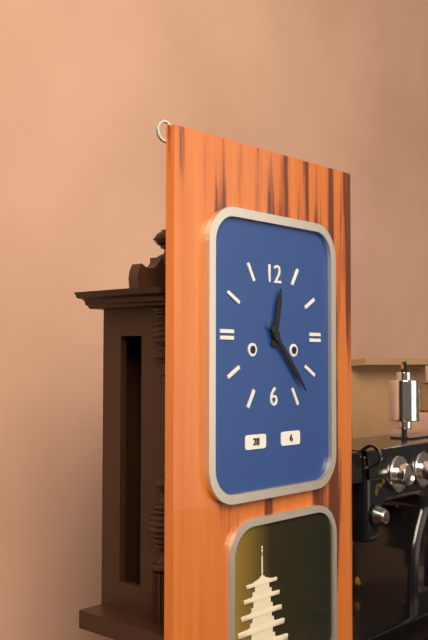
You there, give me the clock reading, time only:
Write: 12:23
